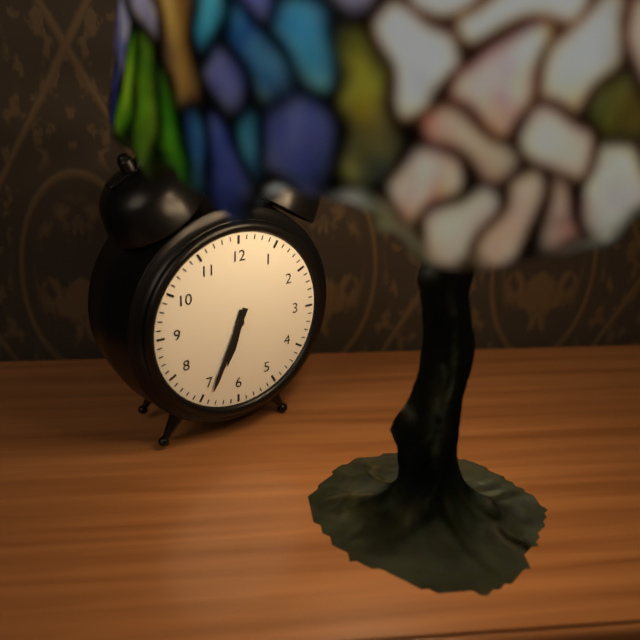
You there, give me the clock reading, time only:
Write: 6:34
